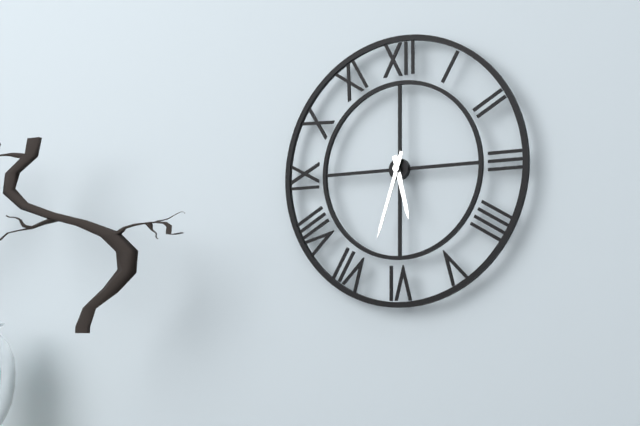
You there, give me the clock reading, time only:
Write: 5:33
